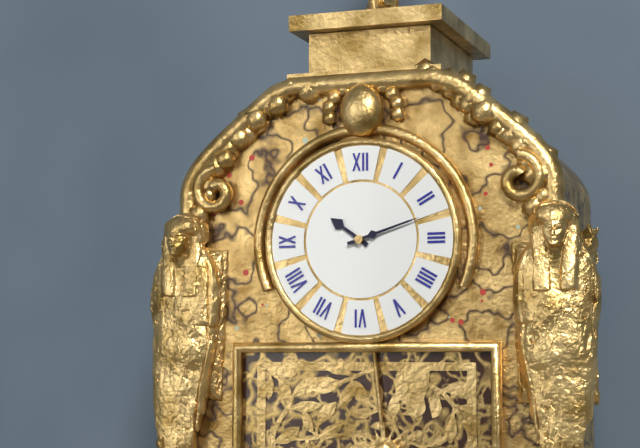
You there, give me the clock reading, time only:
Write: 10:12
